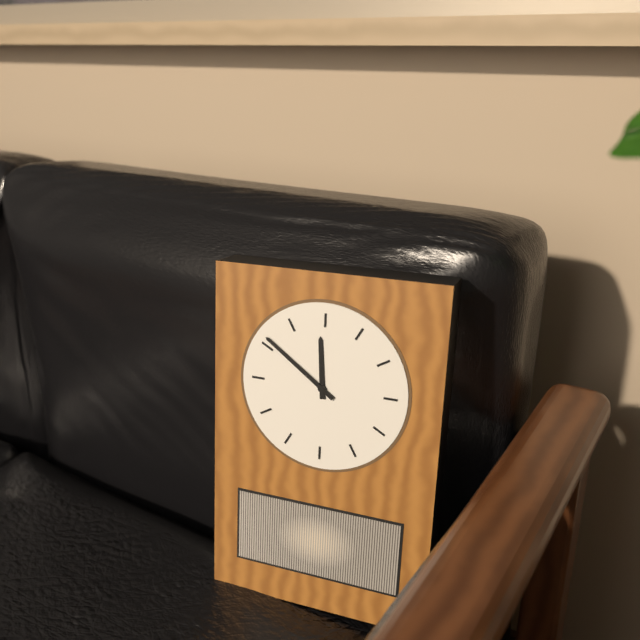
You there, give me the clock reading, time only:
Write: 11:51
